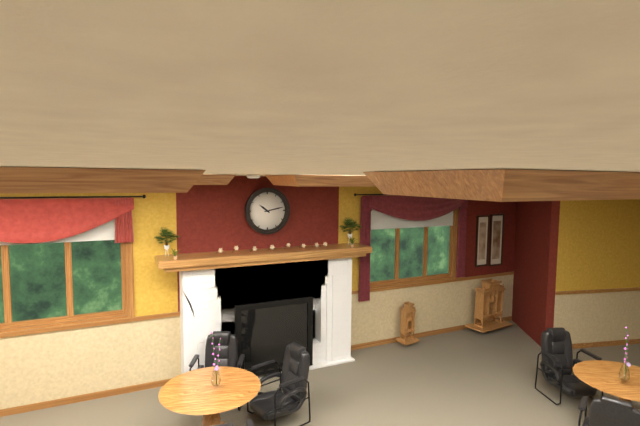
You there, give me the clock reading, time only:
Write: 10:13
